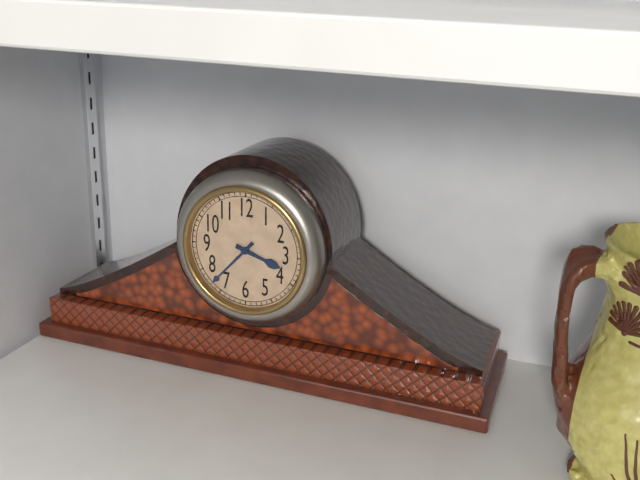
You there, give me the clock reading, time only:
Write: 3:37
